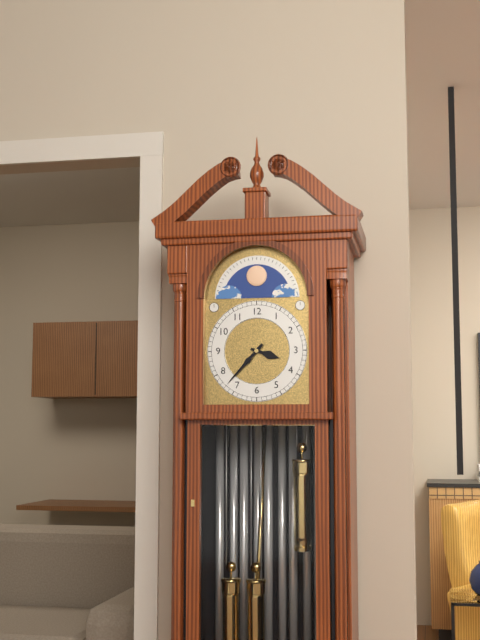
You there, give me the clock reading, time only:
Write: 3:37
